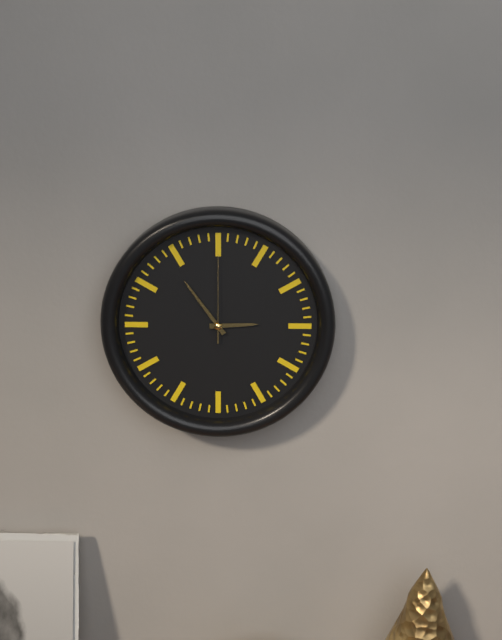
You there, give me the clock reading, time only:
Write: 2:54:00
